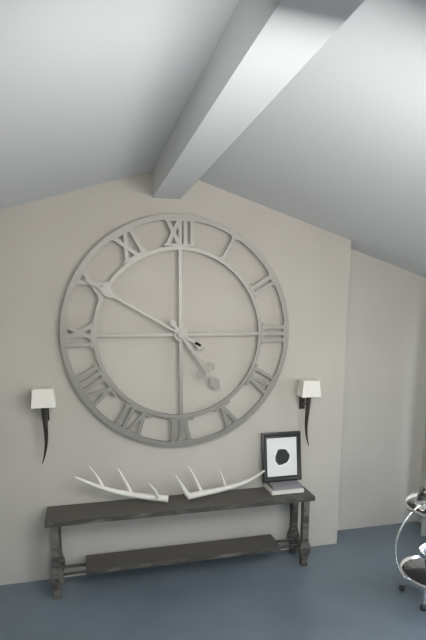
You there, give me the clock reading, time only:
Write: 4:50
